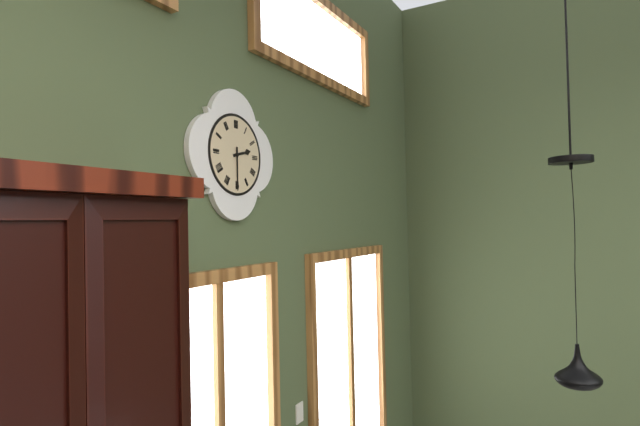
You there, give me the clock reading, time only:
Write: 2:30
